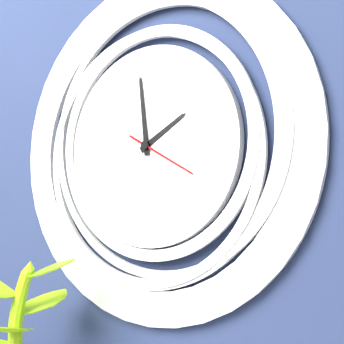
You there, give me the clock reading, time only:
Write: 1:59:20
